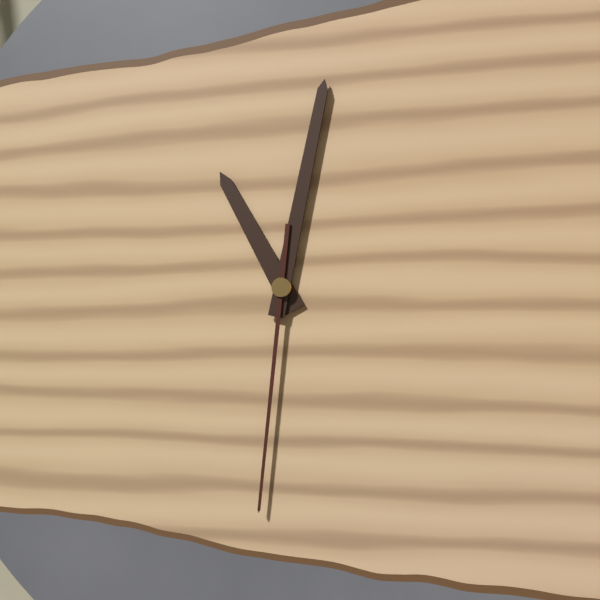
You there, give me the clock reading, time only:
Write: 11:02:31
